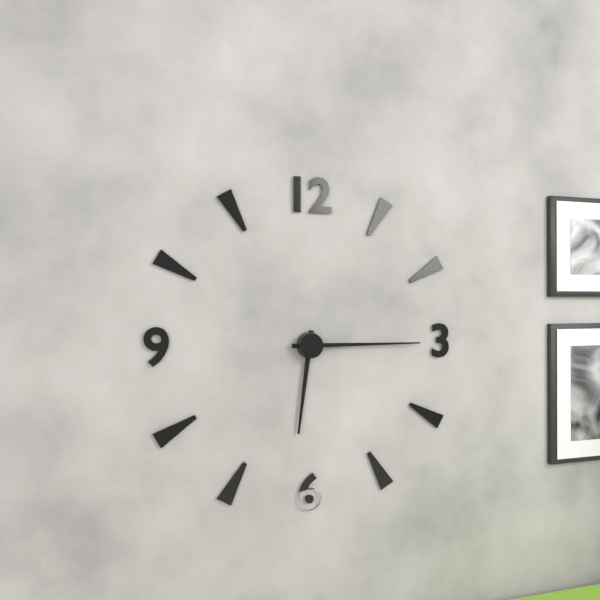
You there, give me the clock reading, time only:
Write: 6:15
